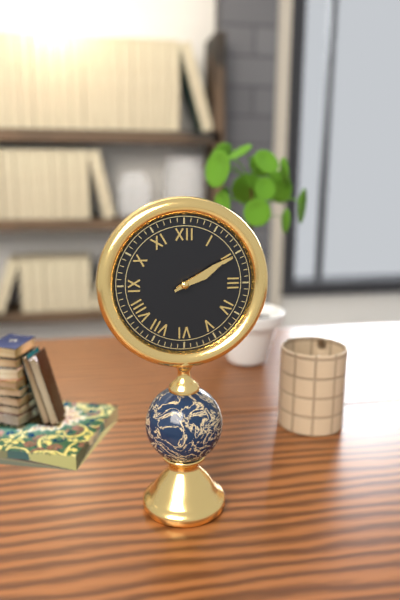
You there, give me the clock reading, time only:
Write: 2:10
